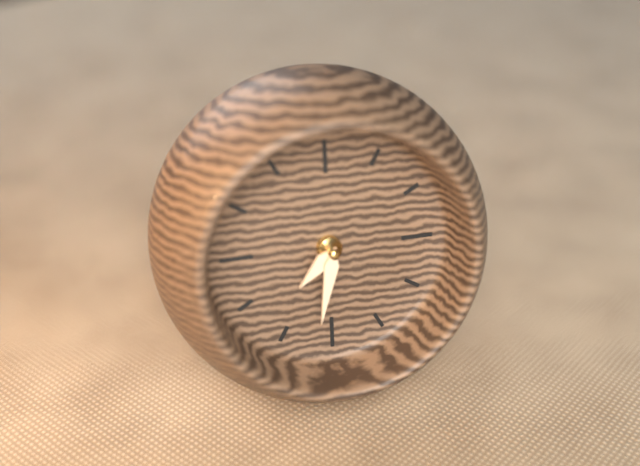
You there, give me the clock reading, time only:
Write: 7:32
